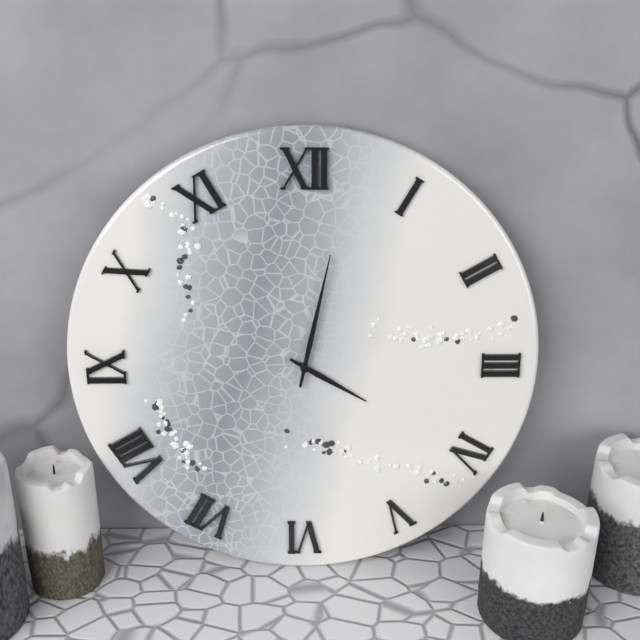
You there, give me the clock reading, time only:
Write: 4:02
